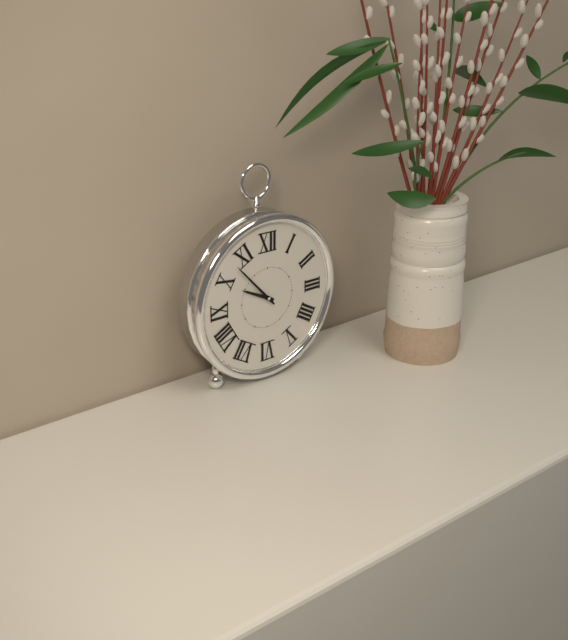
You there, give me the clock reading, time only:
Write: 9:53
